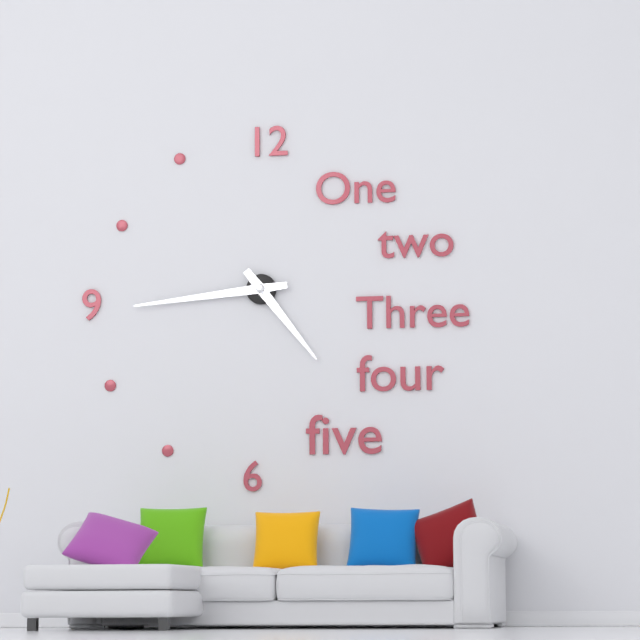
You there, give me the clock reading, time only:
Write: 4:44
